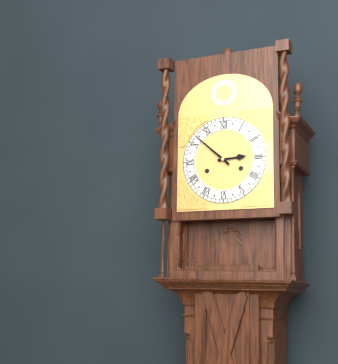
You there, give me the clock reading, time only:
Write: 2:52
